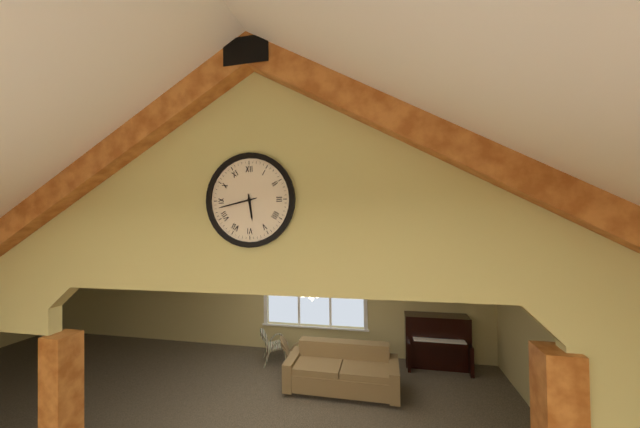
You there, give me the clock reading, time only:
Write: 5:43
